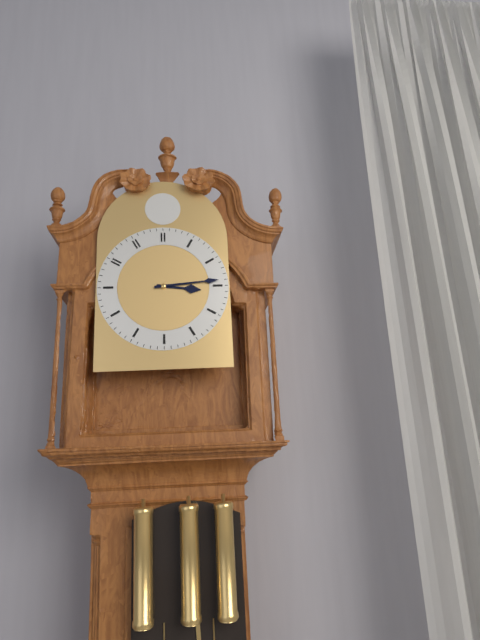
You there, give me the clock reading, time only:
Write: 3:14
